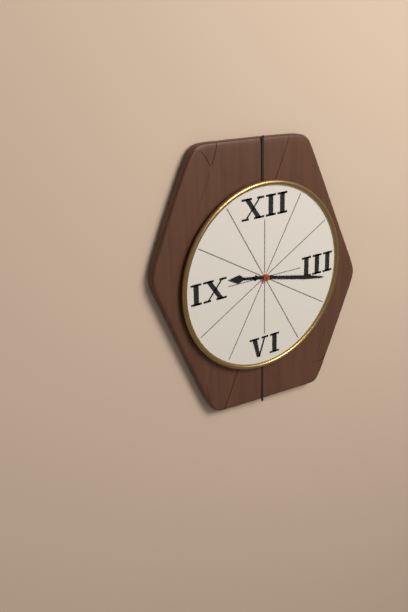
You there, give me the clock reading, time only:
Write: 9:17
